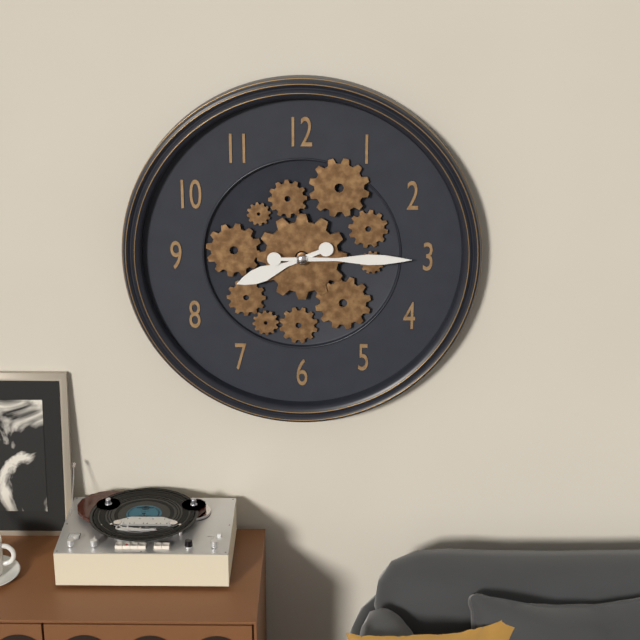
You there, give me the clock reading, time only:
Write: 8:15
